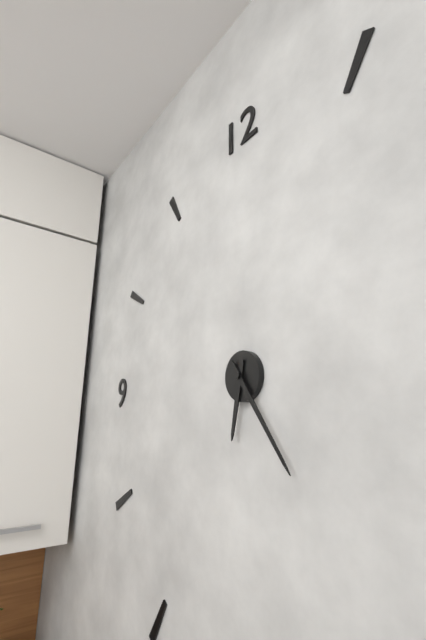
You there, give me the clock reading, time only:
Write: 6:24
